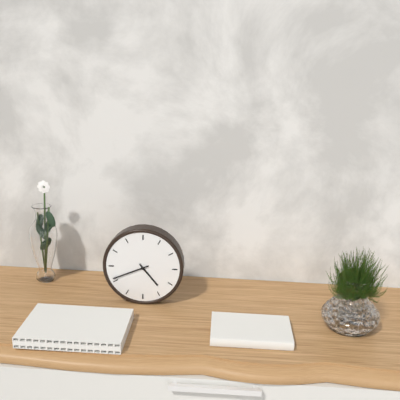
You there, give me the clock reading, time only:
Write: 4:41
